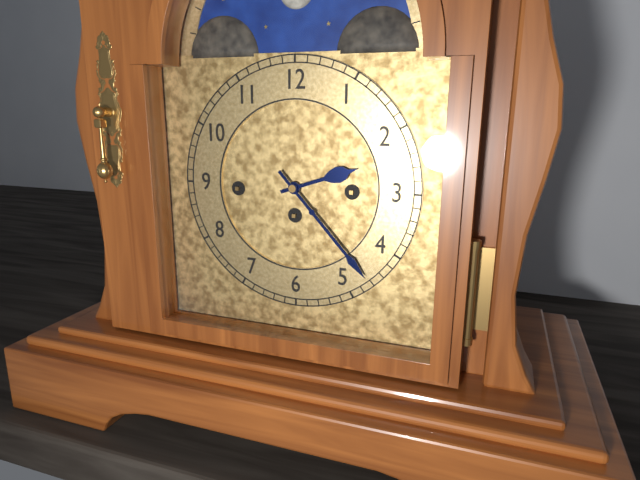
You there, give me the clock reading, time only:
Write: 2:23
